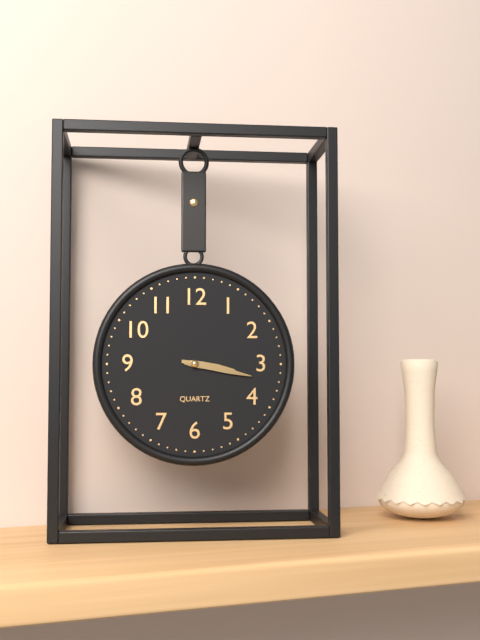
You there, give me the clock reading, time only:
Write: 3:17
